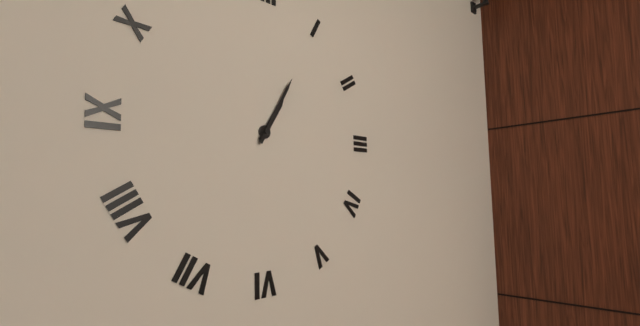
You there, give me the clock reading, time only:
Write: 1:05
